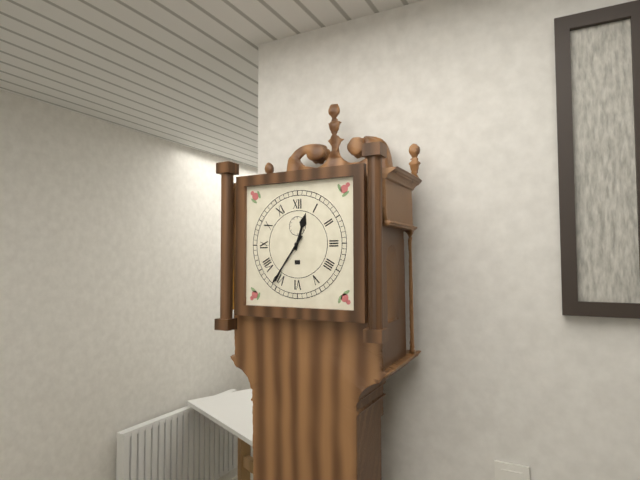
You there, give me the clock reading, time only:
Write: 12:36
